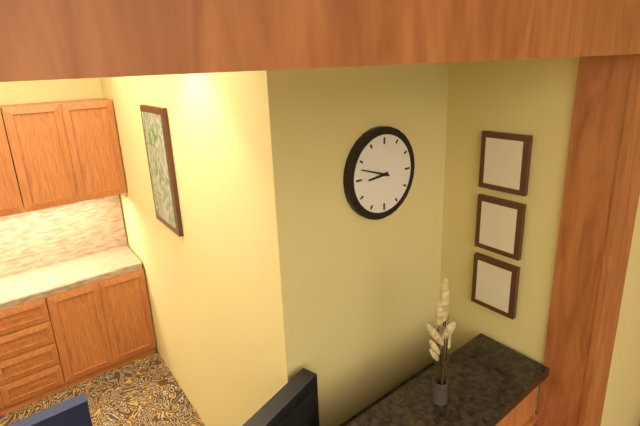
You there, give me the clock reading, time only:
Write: 8:48
